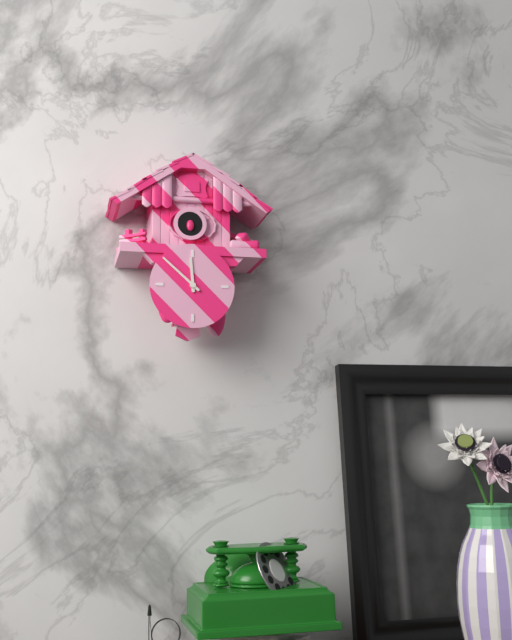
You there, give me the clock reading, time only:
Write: 11:52
